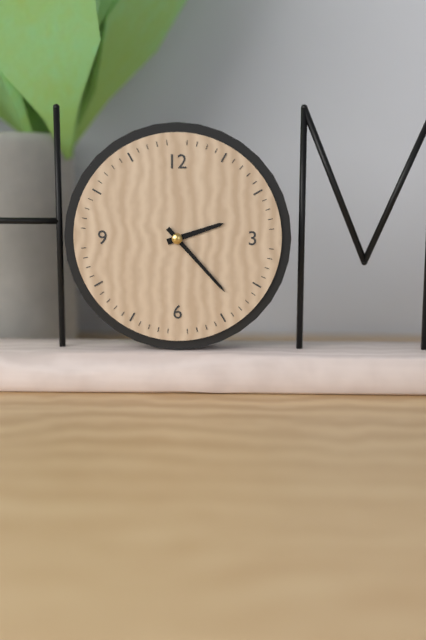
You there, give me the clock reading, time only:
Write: 2:23
